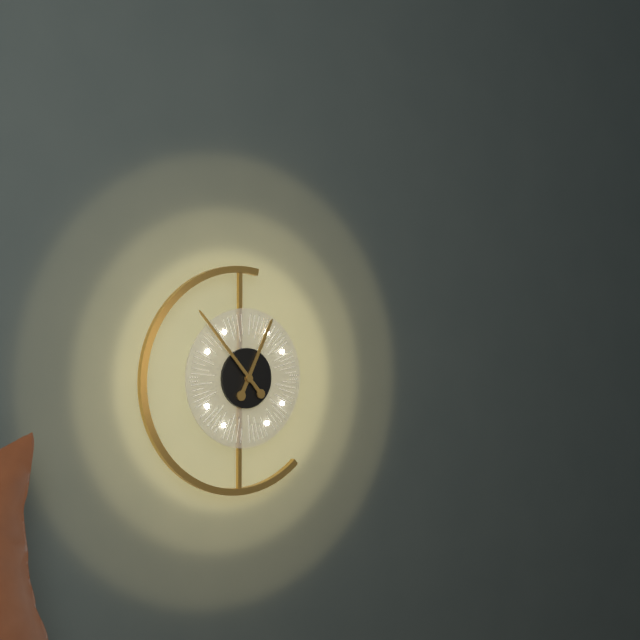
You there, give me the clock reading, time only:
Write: 12:53
